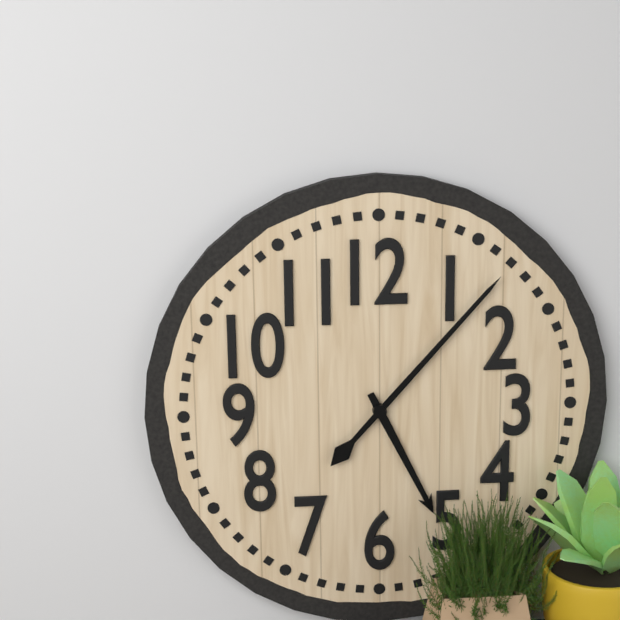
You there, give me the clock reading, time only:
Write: 5:07
